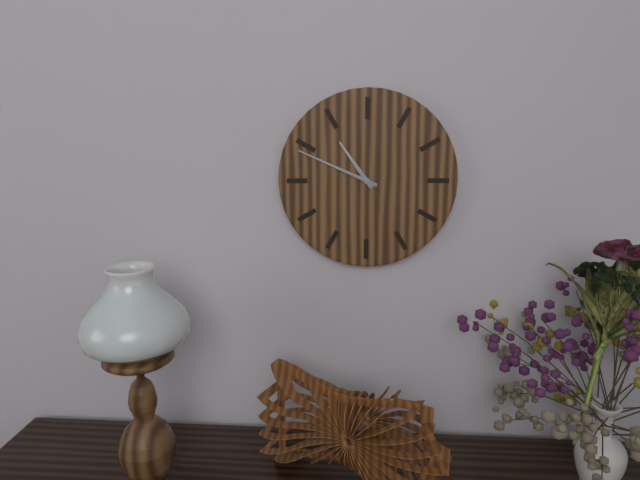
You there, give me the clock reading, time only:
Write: 10:49
